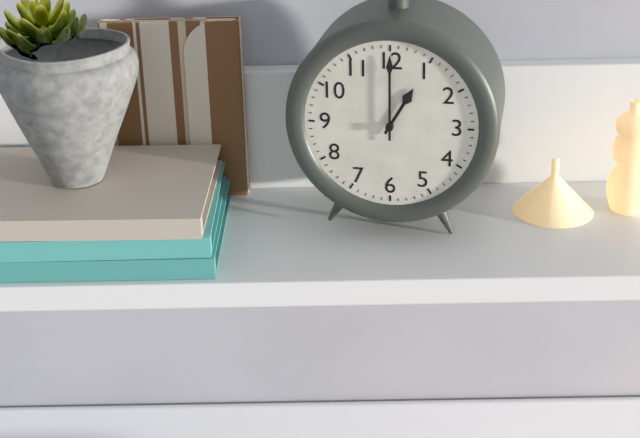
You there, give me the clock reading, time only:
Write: 1:00
